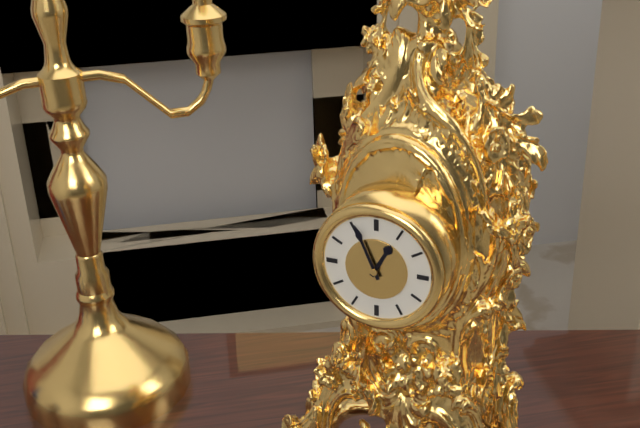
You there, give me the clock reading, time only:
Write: 12:56
